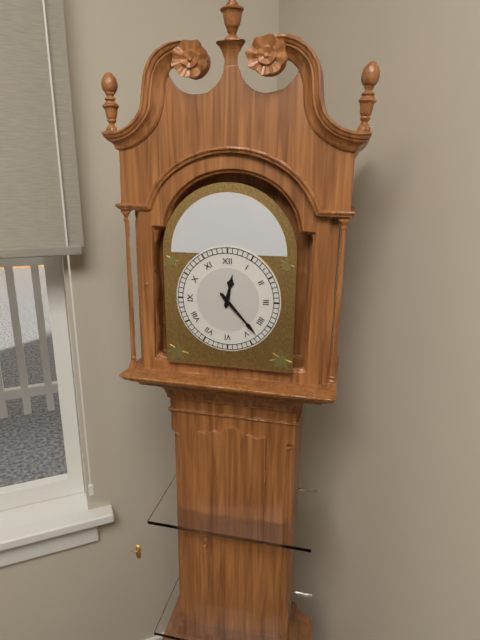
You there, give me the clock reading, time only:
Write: 12:23
